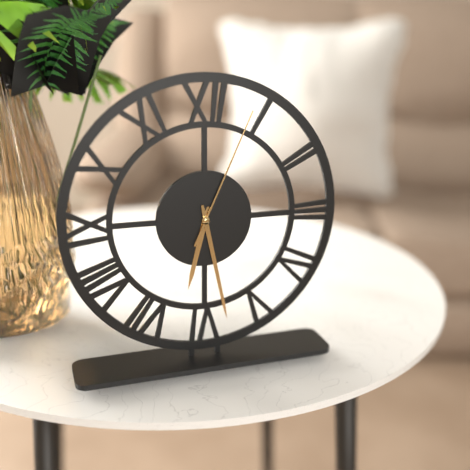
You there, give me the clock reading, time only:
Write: 6:28:04
